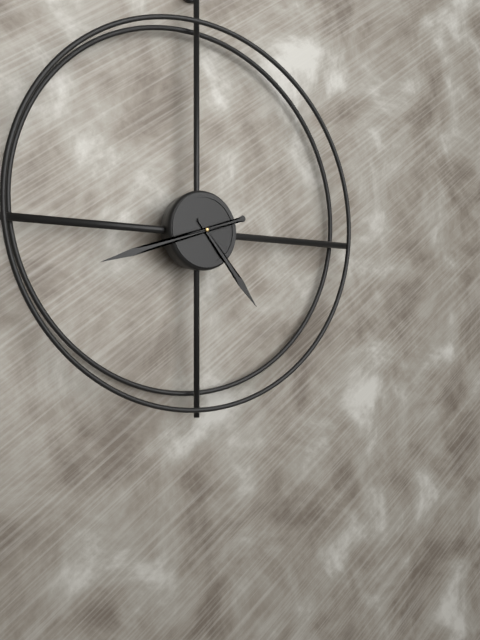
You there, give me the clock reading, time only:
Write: 4:42
